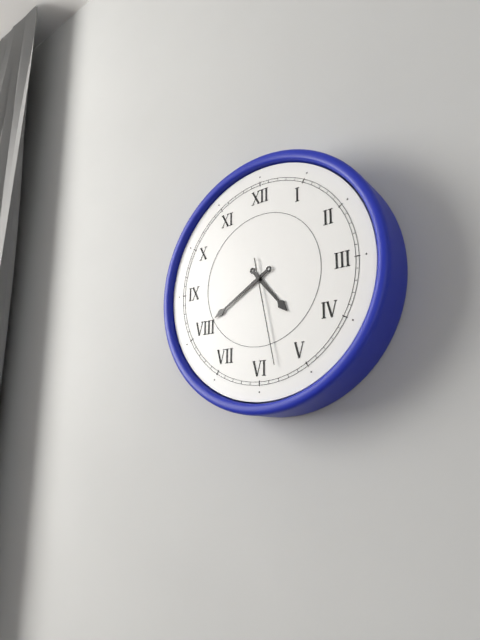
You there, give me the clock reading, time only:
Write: 4:40:28
